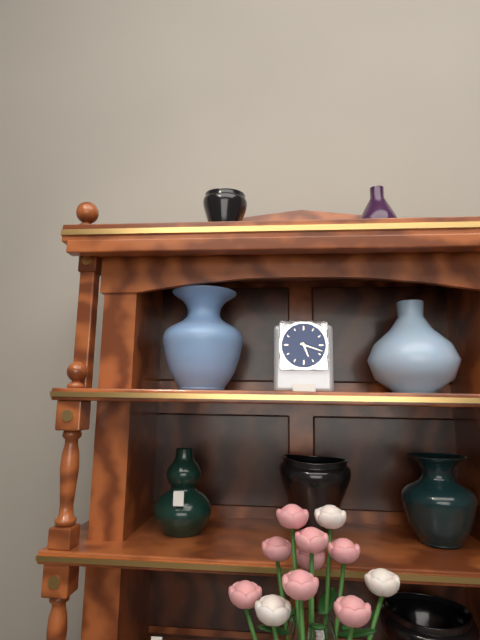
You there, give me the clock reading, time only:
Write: 5:18
